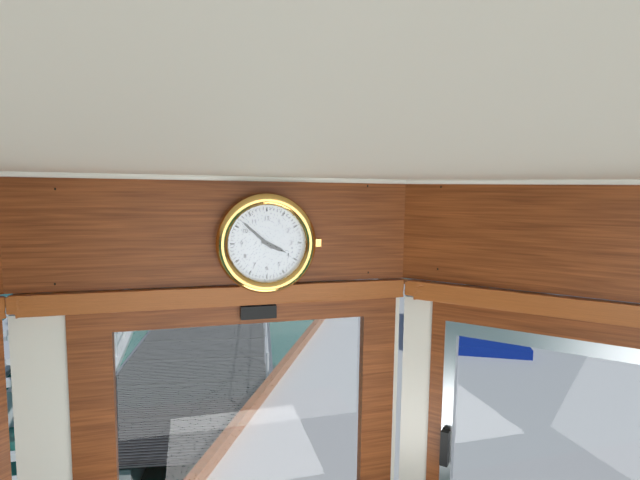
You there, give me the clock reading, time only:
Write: 3:52
